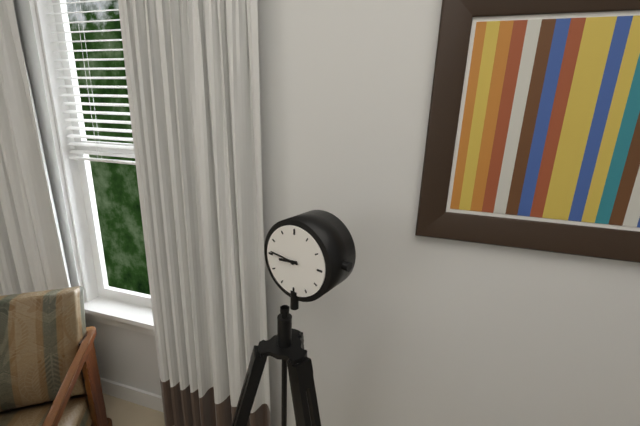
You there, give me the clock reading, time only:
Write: 8:46
